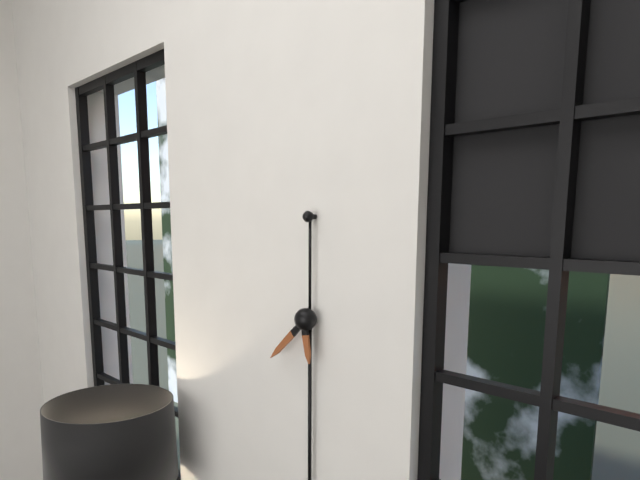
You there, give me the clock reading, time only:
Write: 5:38
